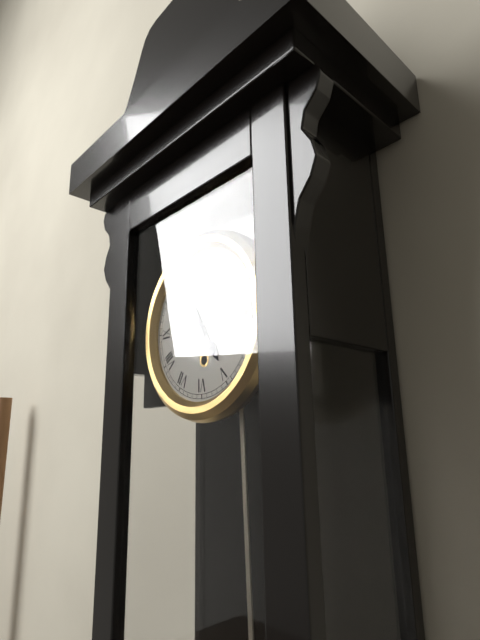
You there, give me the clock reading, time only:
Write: 4:56
